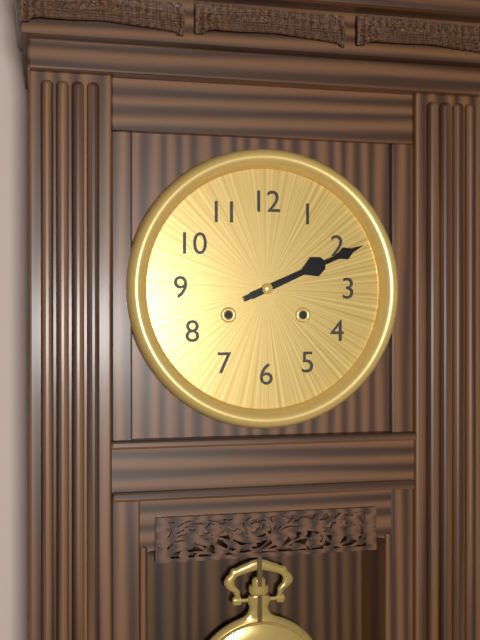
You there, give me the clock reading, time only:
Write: 2:11
